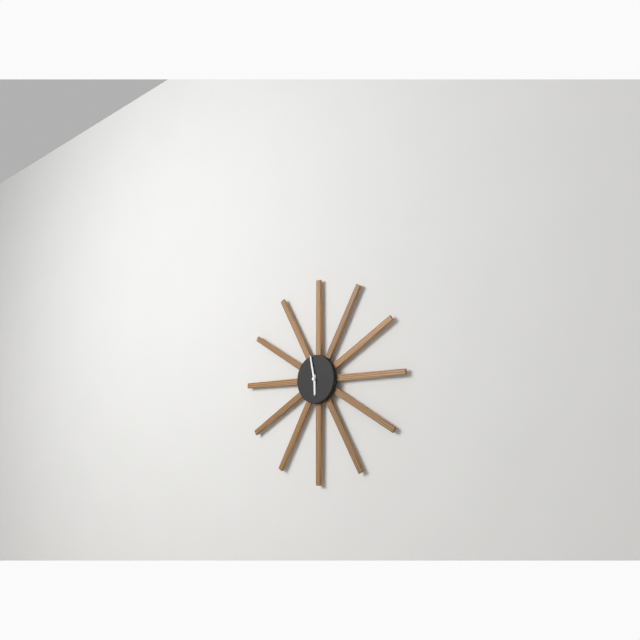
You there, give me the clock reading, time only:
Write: 5:58
